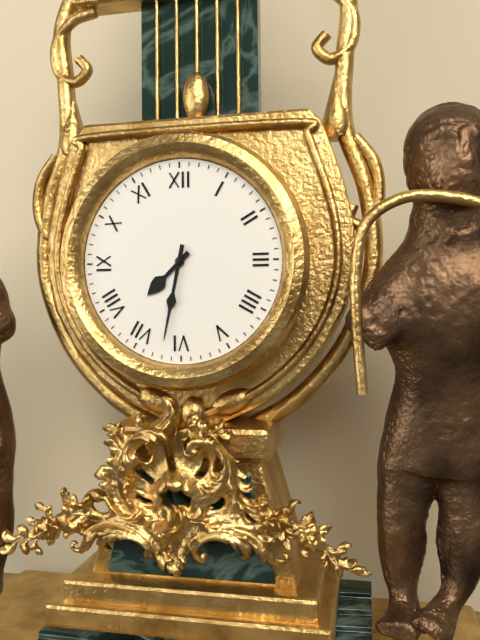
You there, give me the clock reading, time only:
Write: 7:32
